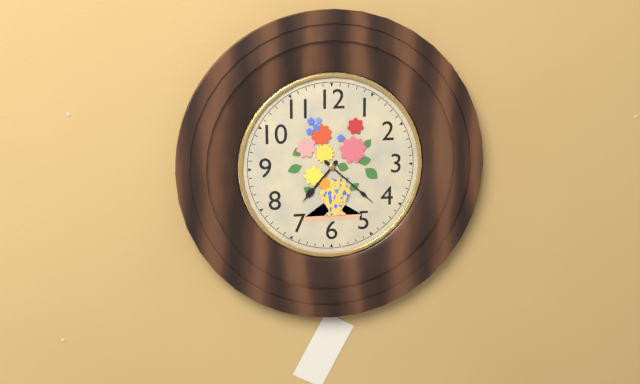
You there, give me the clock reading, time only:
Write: 7:22
